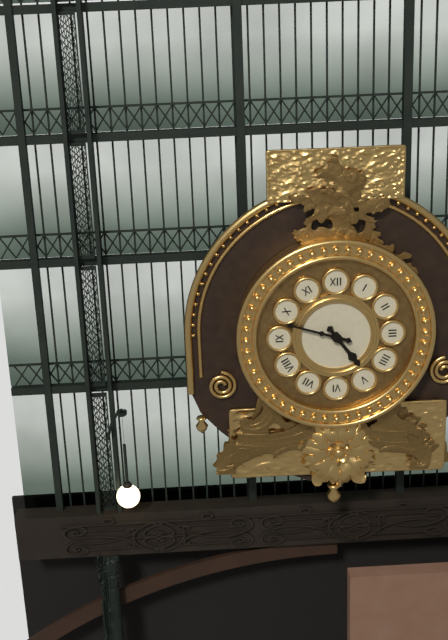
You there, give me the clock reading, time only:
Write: 4:48
